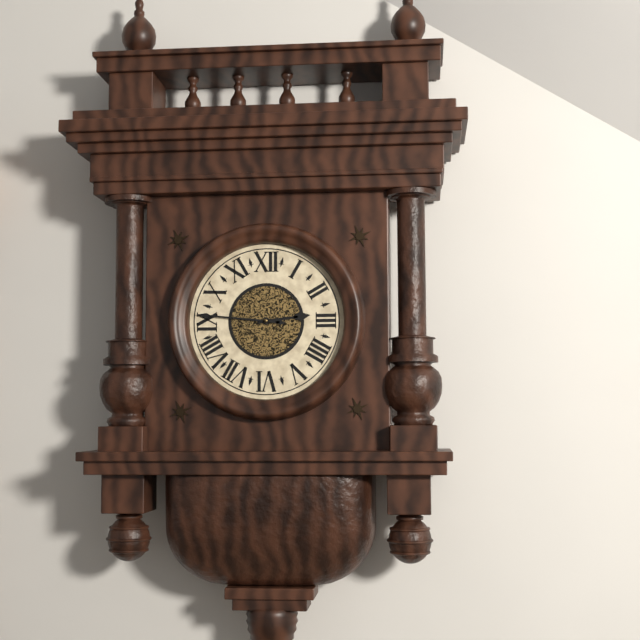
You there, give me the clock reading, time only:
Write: 2:46
